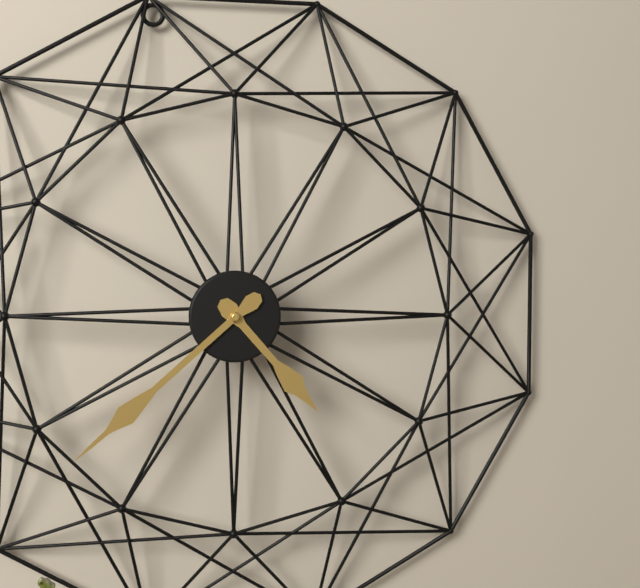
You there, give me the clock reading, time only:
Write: 4:38
